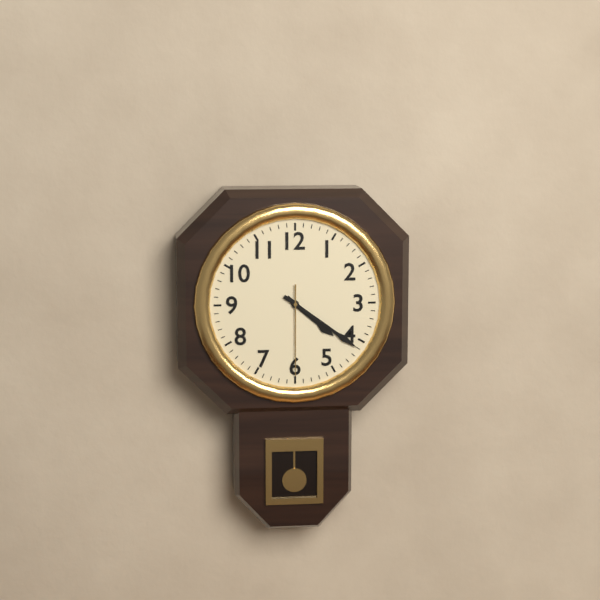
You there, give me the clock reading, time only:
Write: 4:21:30
